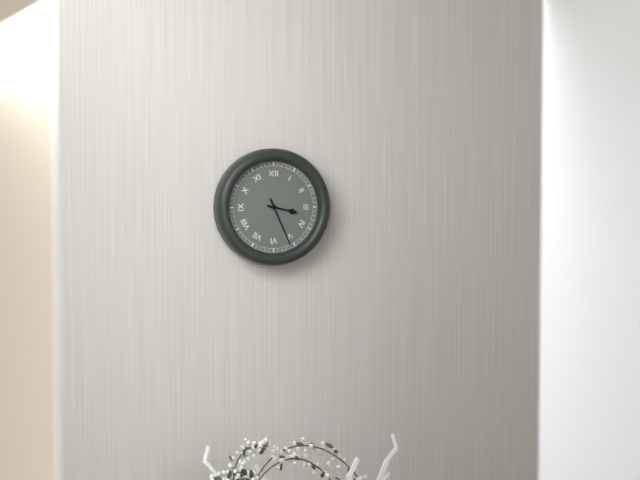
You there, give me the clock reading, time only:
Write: 3:26
